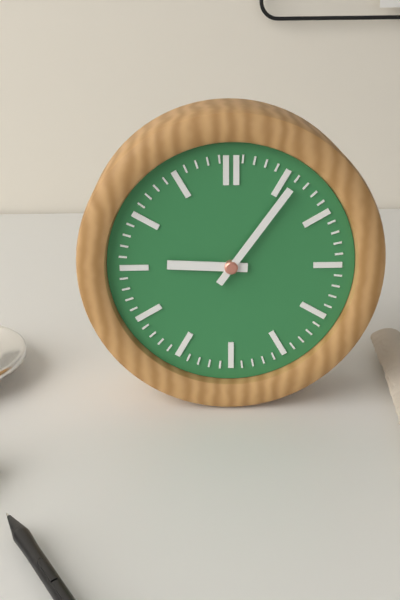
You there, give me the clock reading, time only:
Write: 9:06
